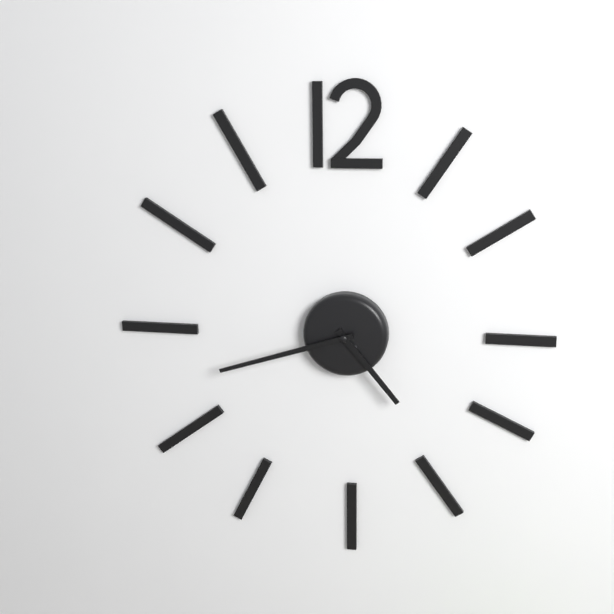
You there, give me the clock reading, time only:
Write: 4:42
